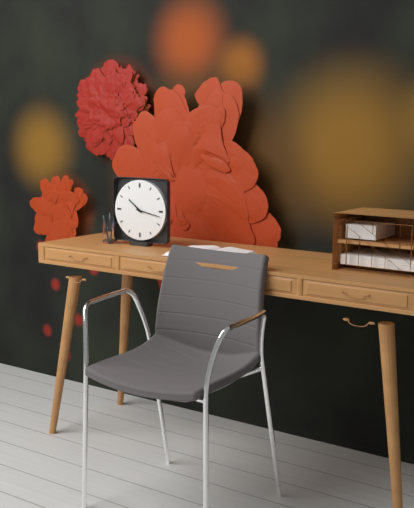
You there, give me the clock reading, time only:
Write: 10:17
